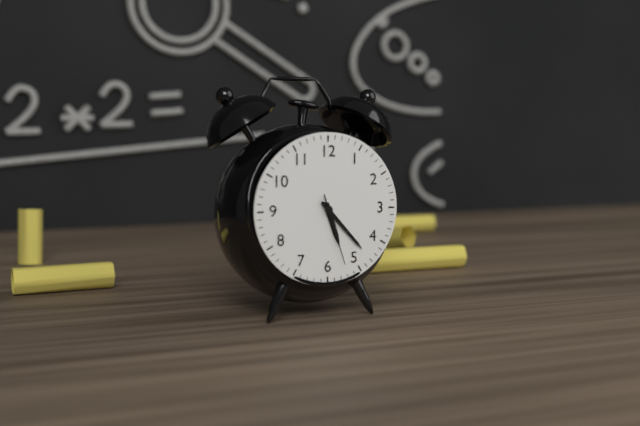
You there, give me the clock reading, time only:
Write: 5:23:27
